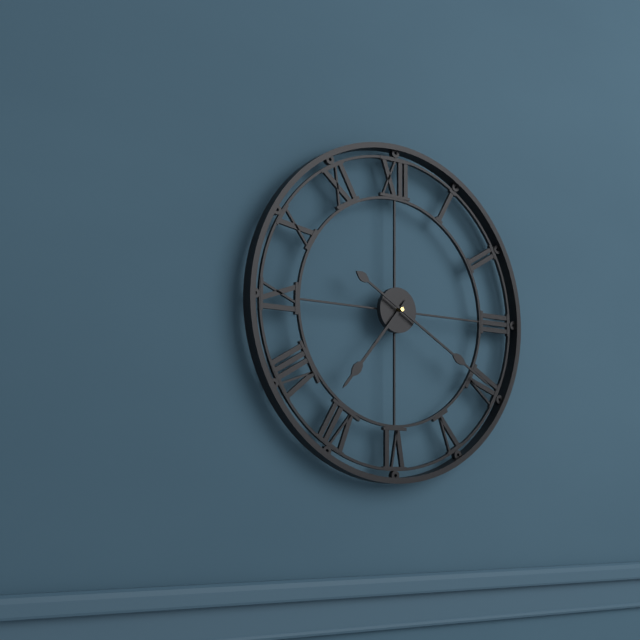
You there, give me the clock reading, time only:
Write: 7:20
